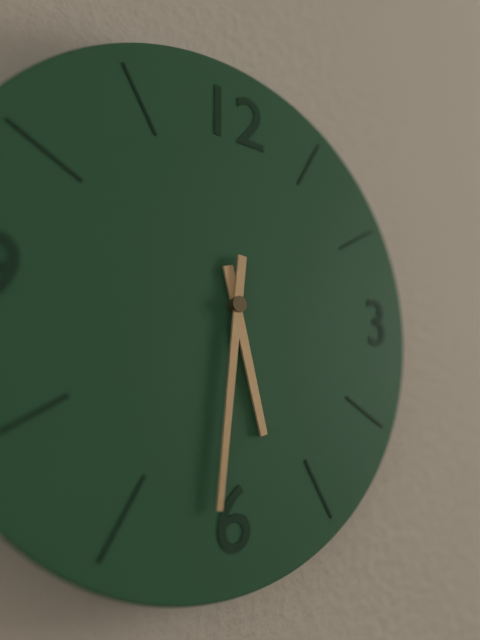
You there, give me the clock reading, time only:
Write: 5:31
